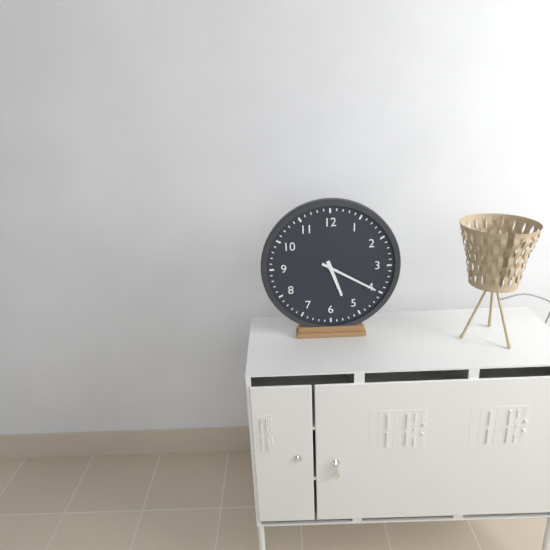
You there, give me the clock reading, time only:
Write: 5:20
